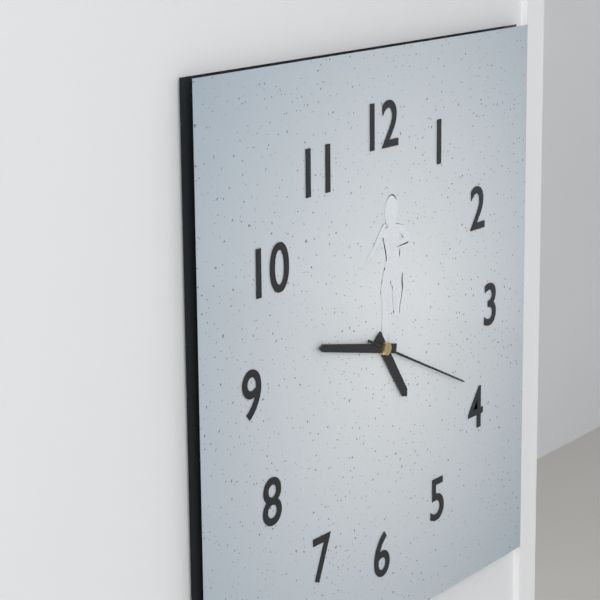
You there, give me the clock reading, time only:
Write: 4:47:19
